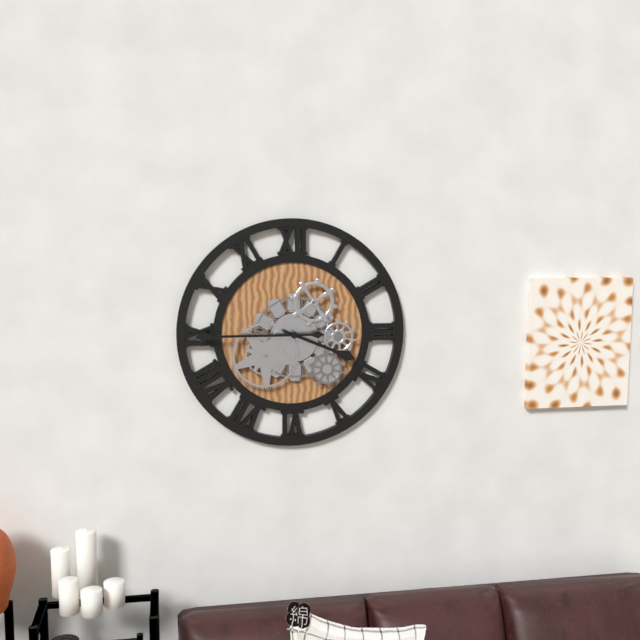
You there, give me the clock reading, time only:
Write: 3:45
